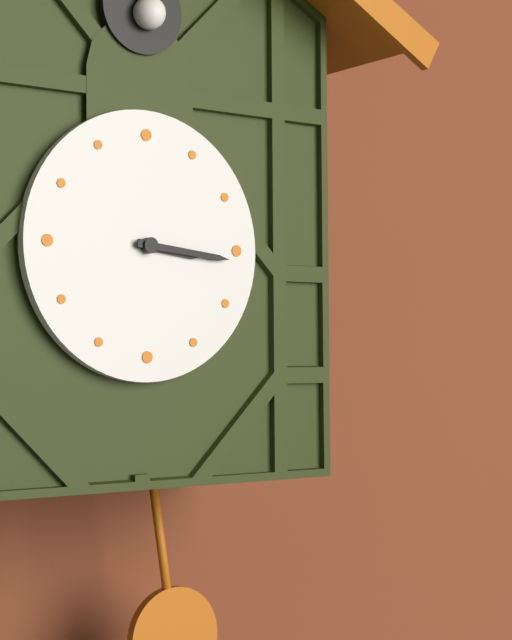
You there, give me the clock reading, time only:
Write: 3:16
